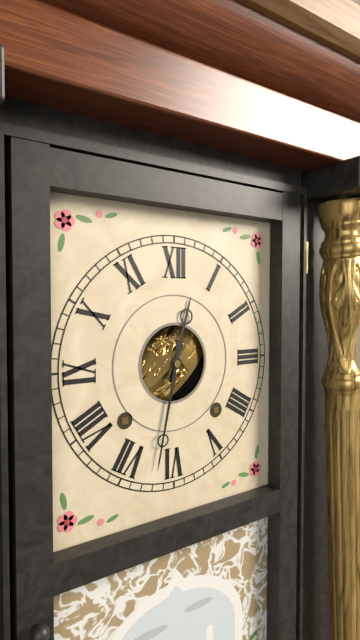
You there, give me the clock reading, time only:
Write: 12:32
